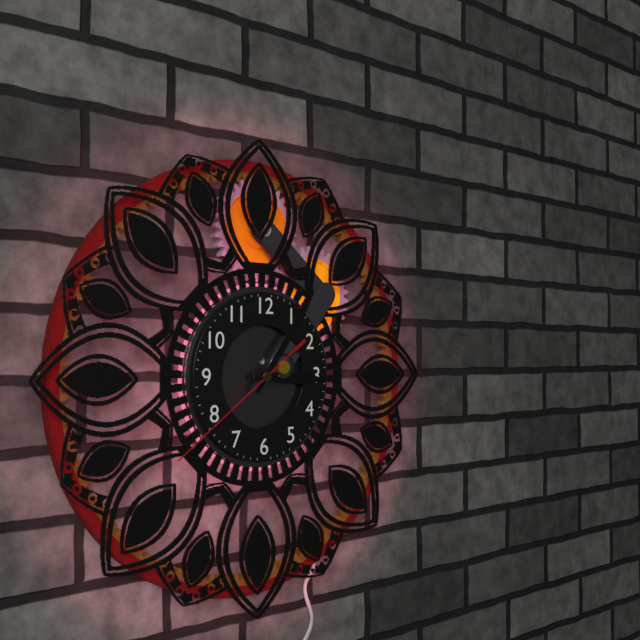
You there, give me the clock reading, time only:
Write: 3:06:39
